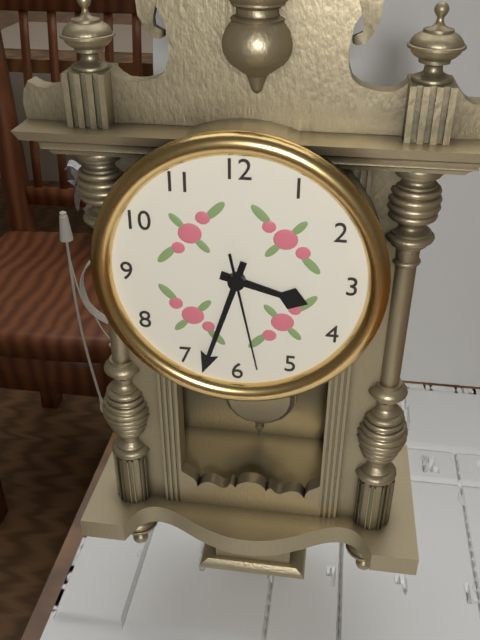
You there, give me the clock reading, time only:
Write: 3:33:28
